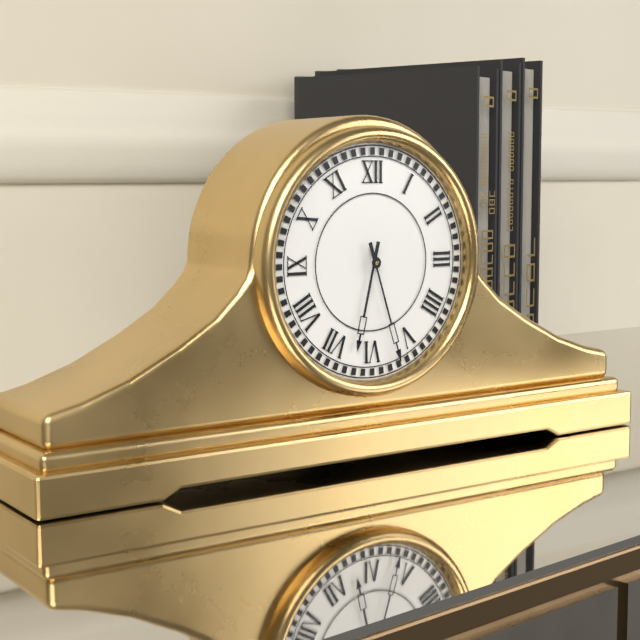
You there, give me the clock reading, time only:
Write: 6:27
